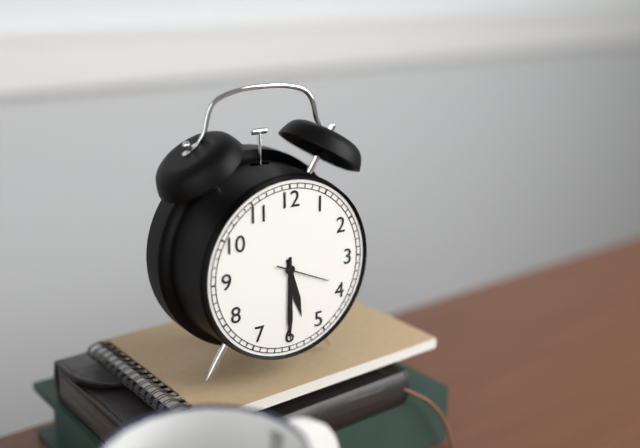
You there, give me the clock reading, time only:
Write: 5:30:19
